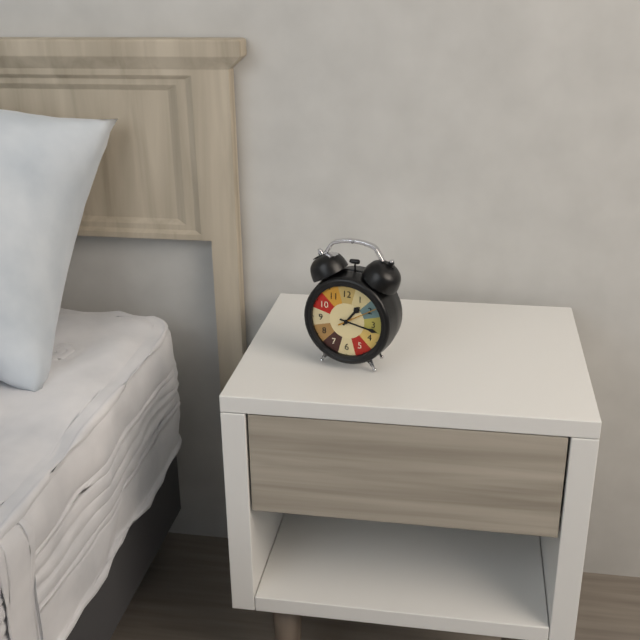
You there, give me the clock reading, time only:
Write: 1:17
